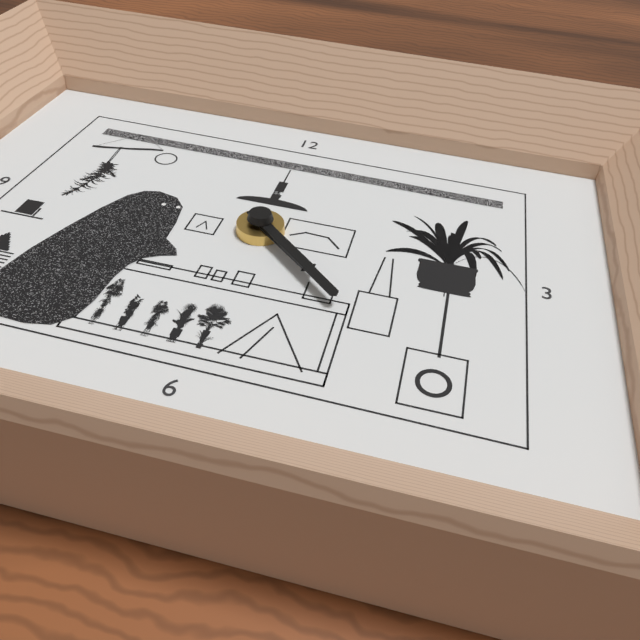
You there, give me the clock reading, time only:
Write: 4:22
